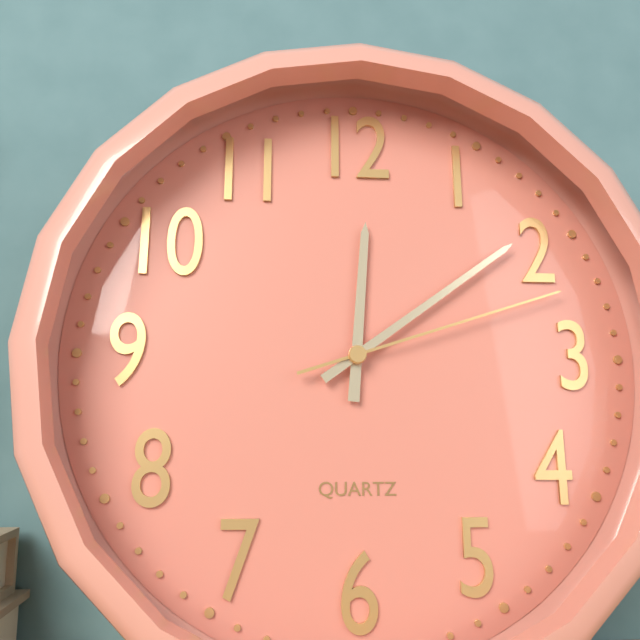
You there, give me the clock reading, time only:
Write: 12:09:12
